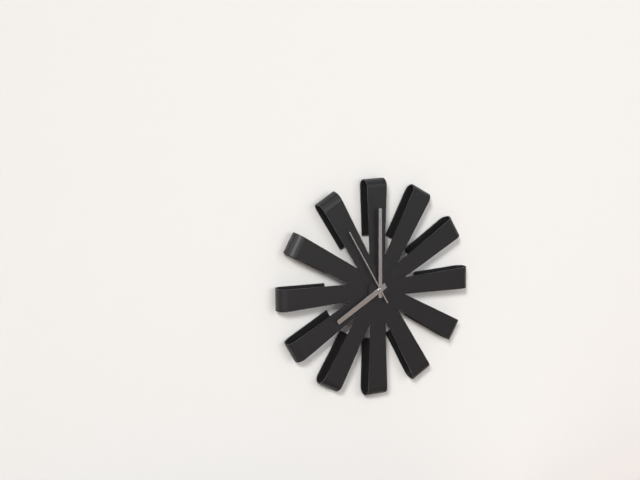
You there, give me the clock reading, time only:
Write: 8:00:55
